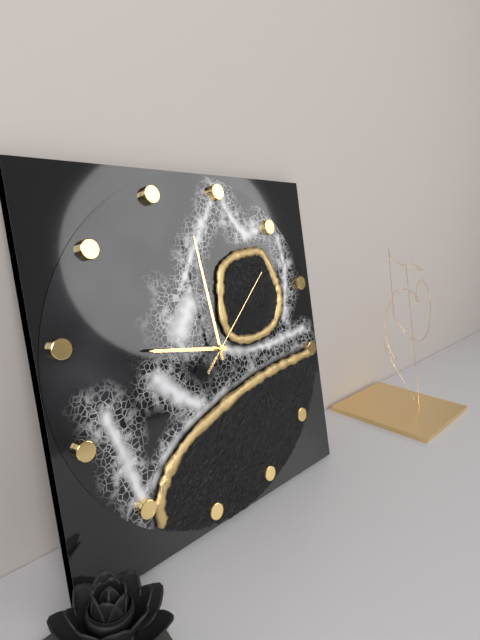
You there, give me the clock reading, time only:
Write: 8:57:06
